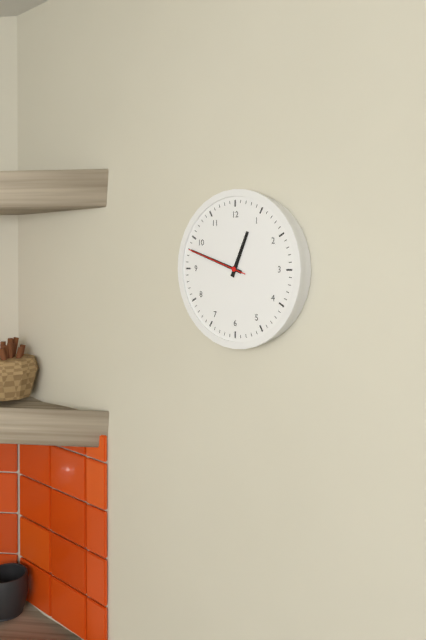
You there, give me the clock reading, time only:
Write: 12:48:48
